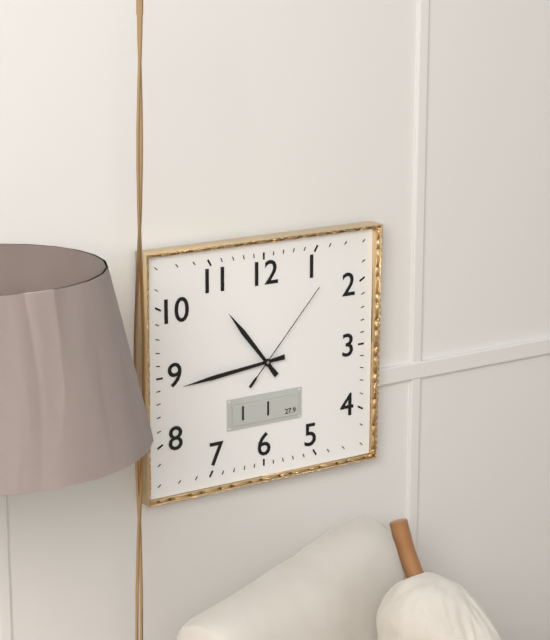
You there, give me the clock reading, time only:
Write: 10:44:07
